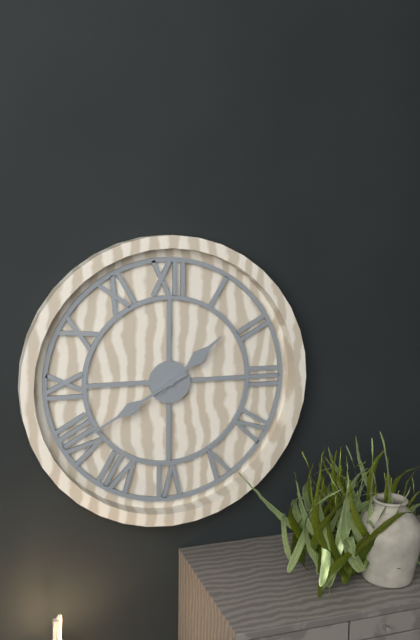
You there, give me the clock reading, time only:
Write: 1:40
